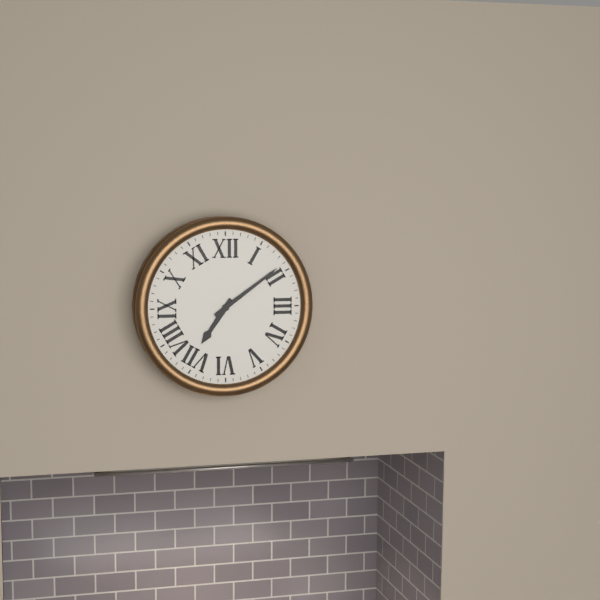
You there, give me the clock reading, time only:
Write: 7:09
